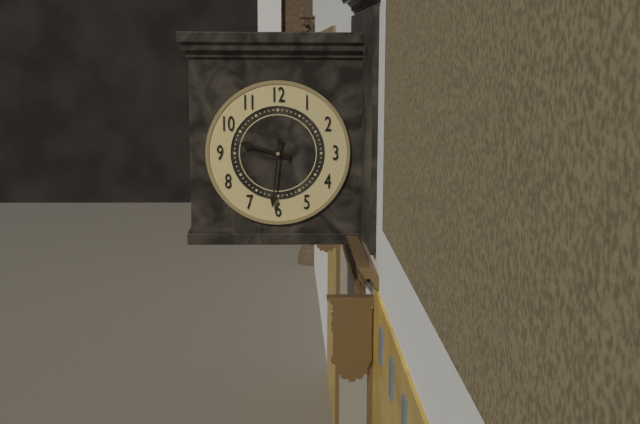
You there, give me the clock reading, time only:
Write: 9:31
